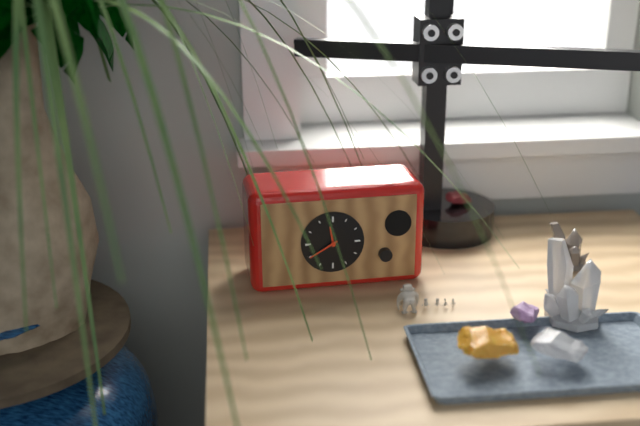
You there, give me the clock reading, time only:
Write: 11:40
